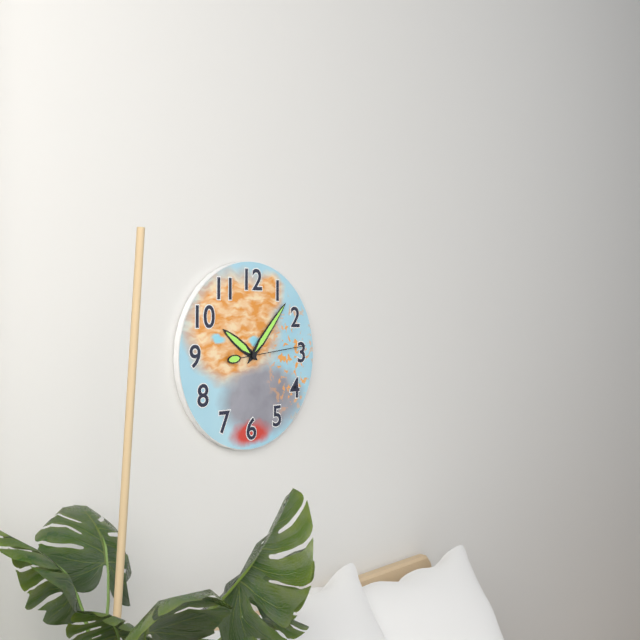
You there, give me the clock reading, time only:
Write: 10:07:14
